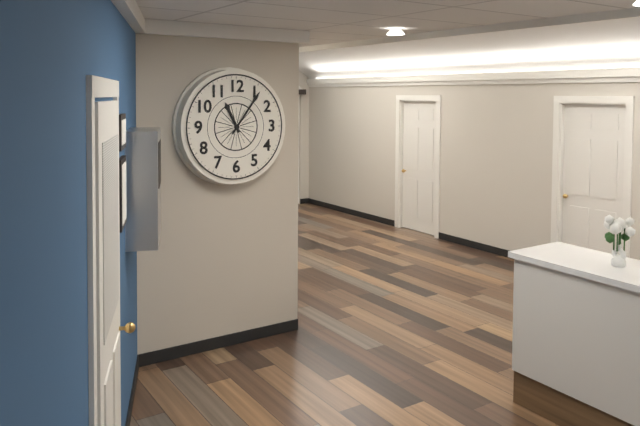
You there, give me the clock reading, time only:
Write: 11:06
